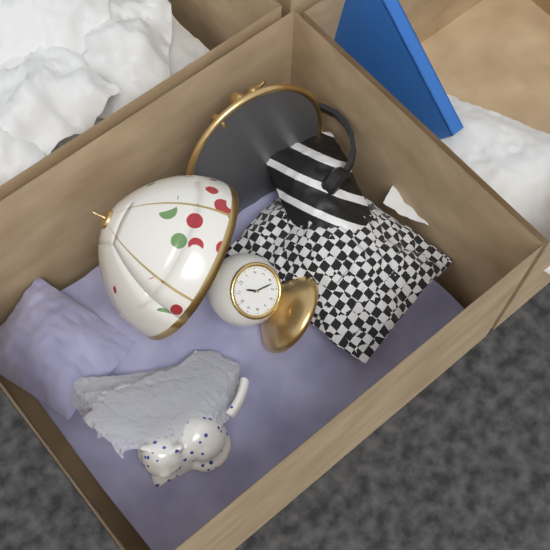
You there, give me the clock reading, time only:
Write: 11:22
